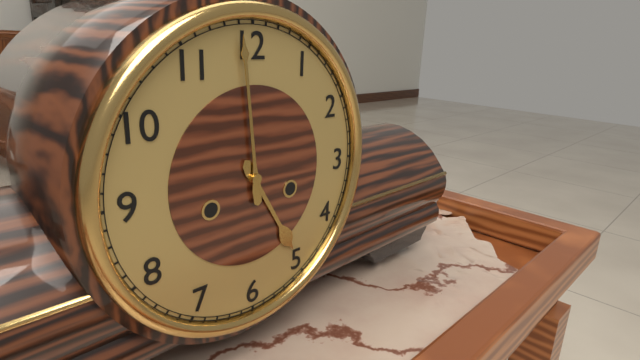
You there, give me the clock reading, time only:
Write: 4:59
